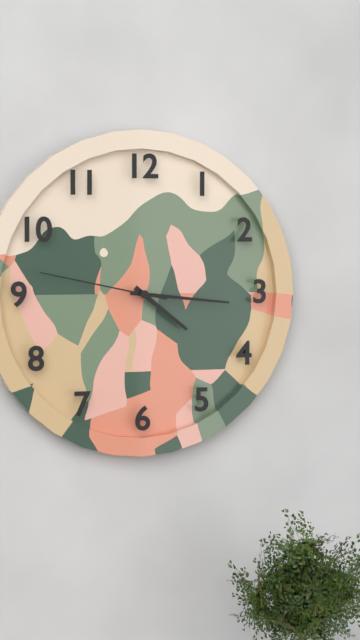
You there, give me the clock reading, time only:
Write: 4:16:47
